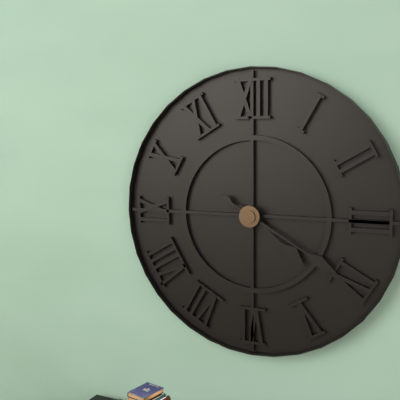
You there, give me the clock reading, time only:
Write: 4:20
